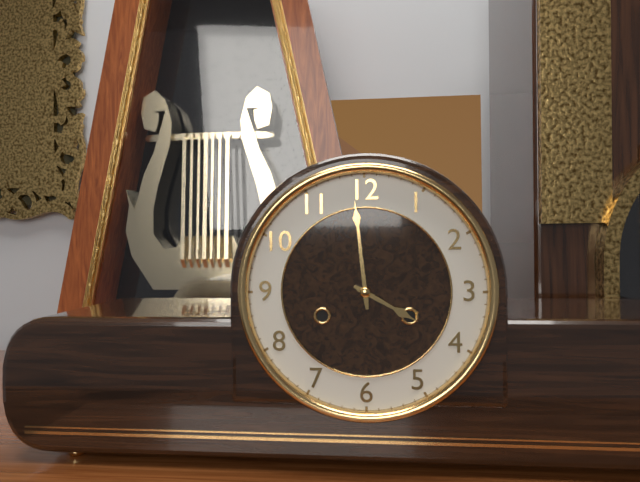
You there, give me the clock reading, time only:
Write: 3:59
